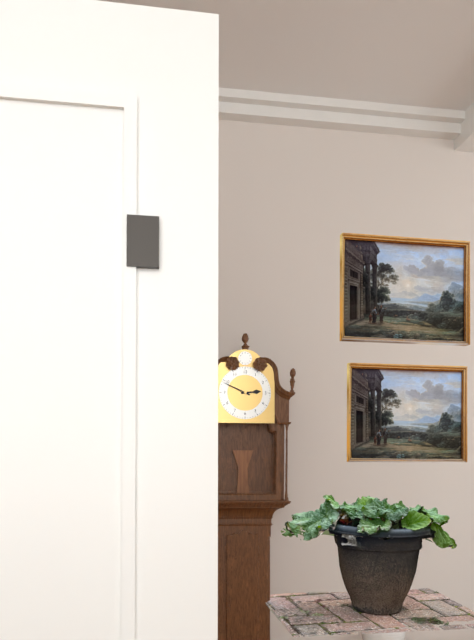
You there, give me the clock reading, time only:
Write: 2:49
